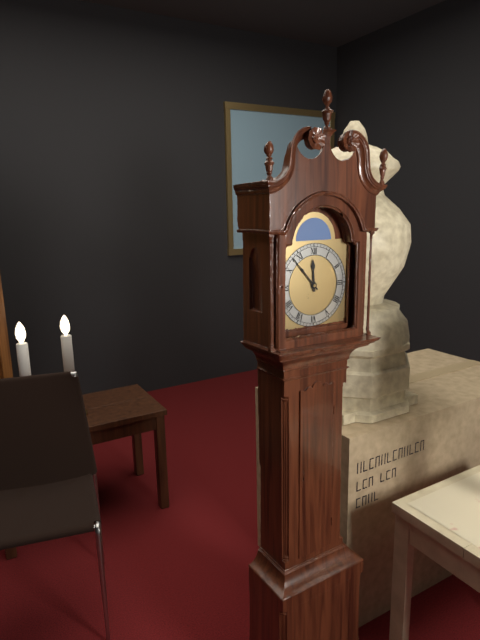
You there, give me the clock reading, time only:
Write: 11:53
